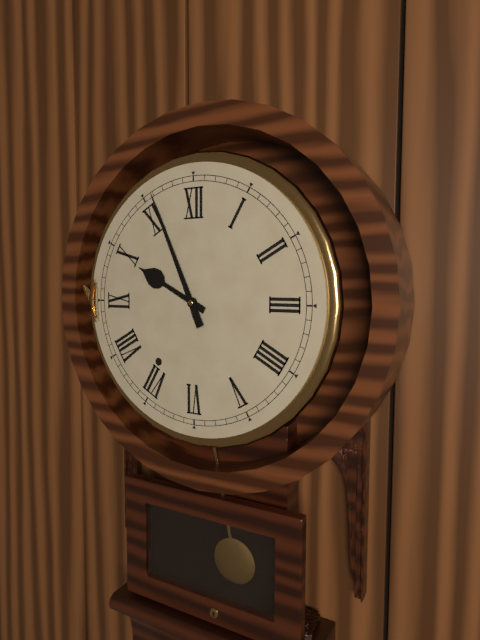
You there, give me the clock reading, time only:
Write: 9:56
